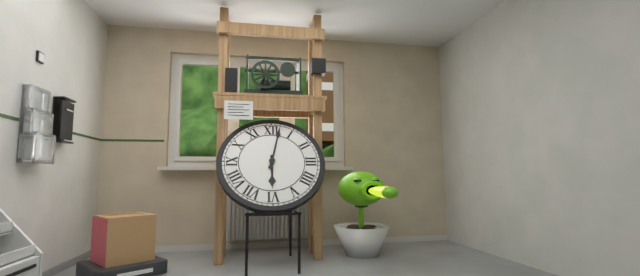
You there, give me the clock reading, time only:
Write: 6:02
